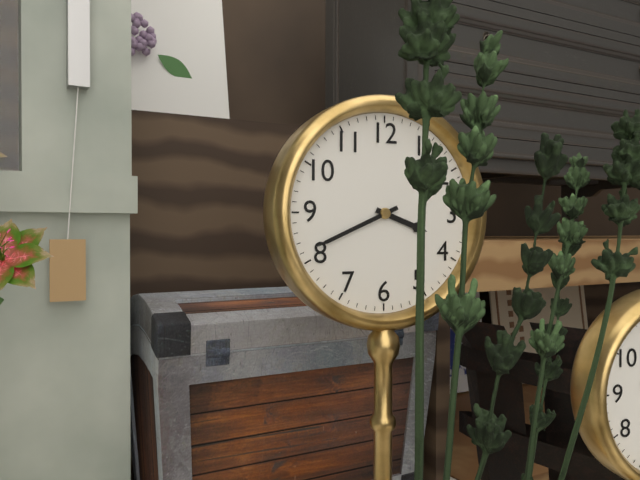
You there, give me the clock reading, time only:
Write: 3:41
